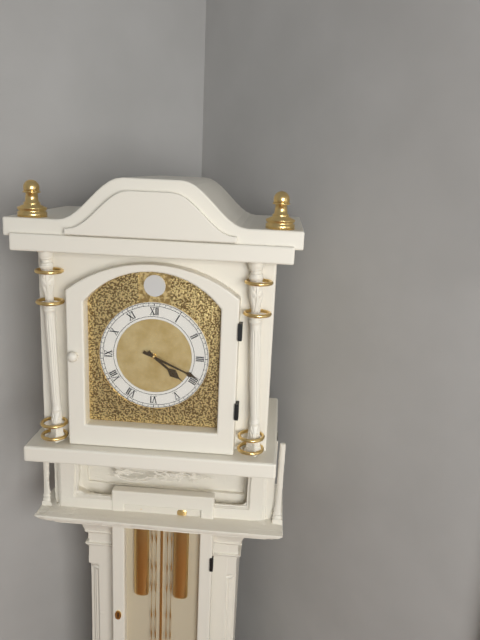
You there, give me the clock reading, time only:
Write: 4:19
